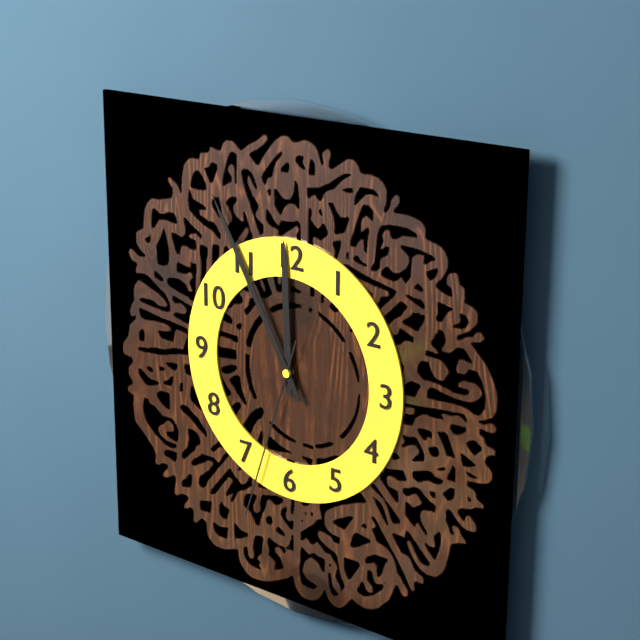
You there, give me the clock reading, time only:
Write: 11:55:33
